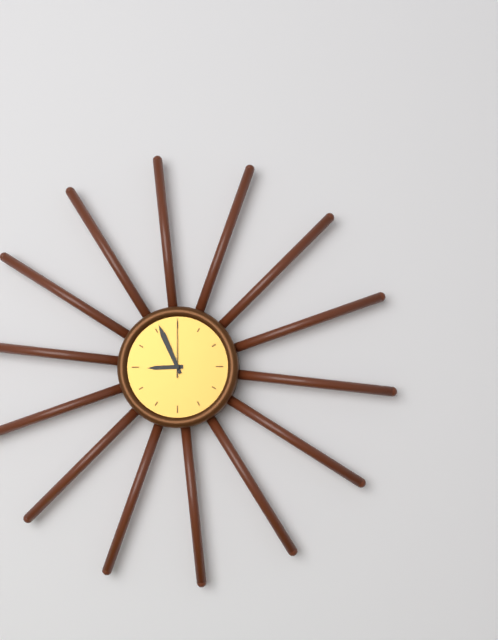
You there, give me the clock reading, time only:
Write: 8:56:00
